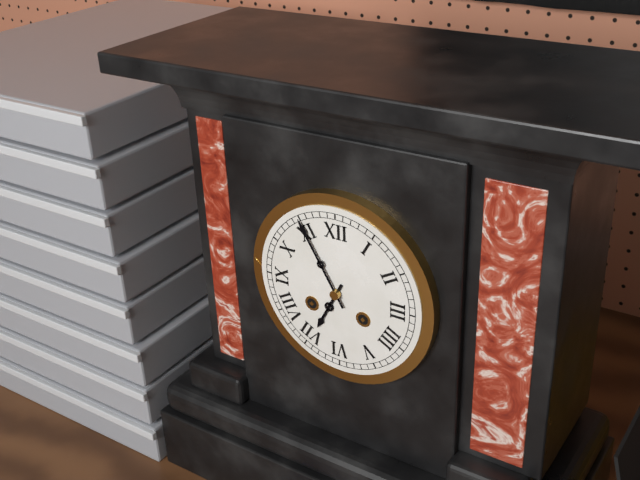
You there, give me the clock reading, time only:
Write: 6:55
